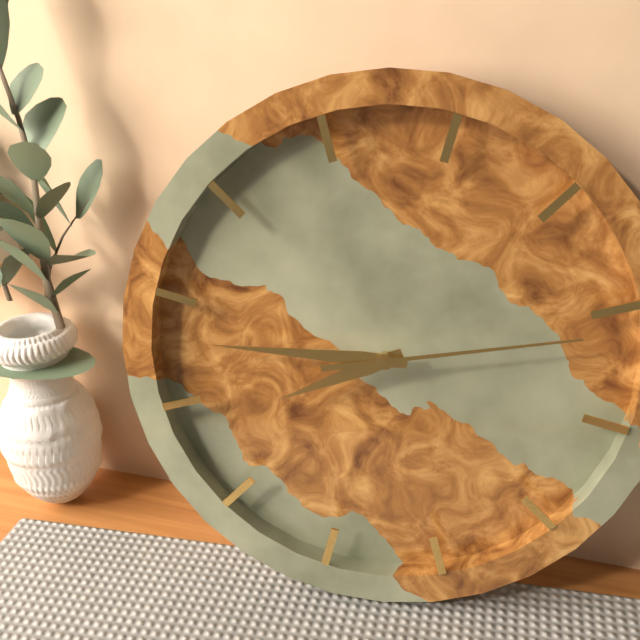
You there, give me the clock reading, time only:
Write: 7:43:11
